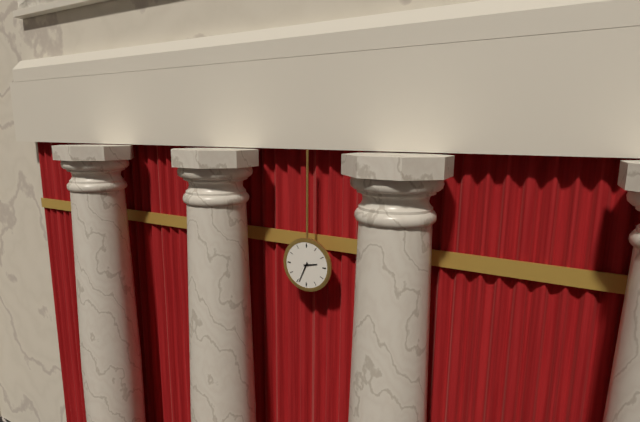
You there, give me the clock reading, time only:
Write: 2:34
